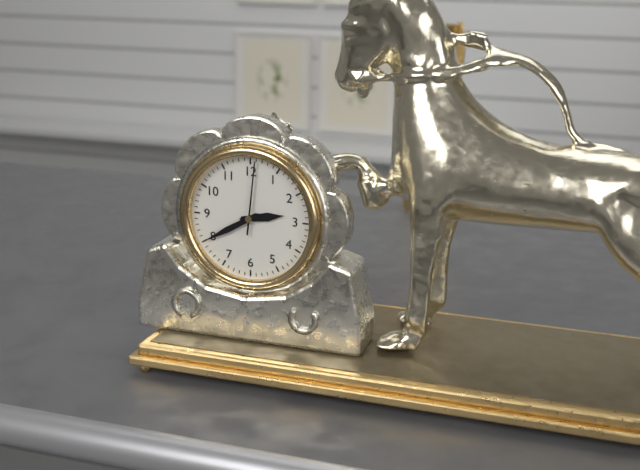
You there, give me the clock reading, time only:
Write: 2:40:01
